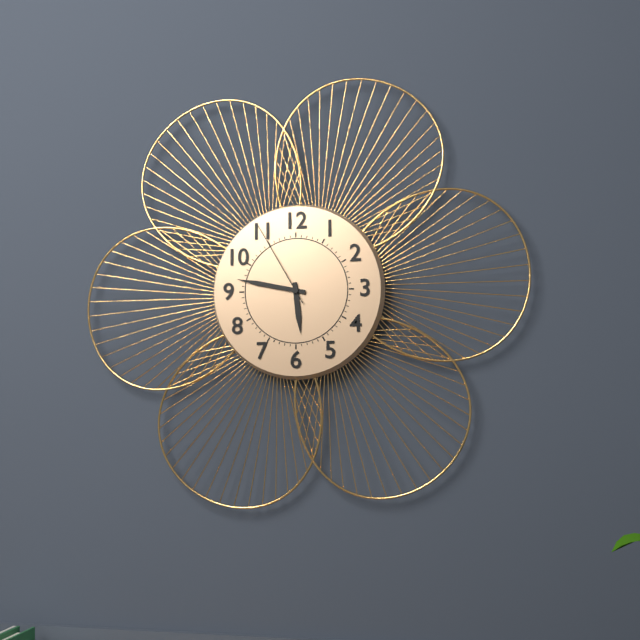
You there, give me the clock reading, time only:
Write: 5:47:55
